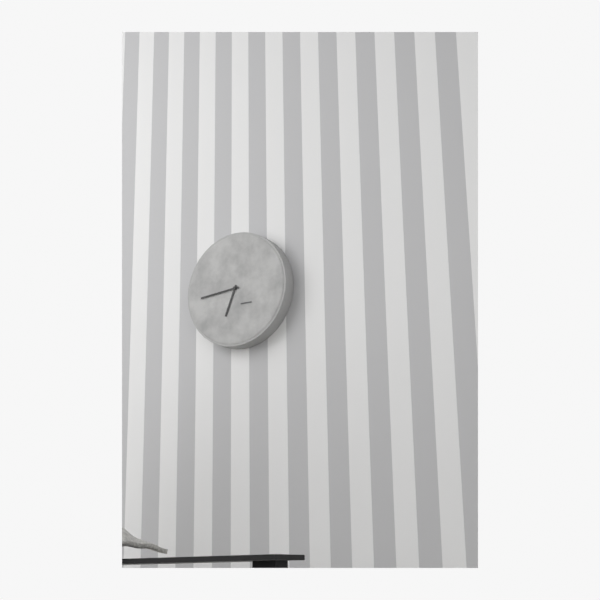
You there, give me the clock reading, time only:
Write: 6:44
